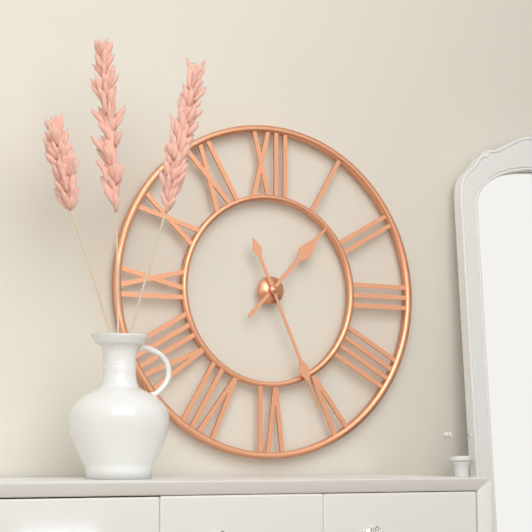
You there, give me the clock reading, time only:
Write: 1:26
